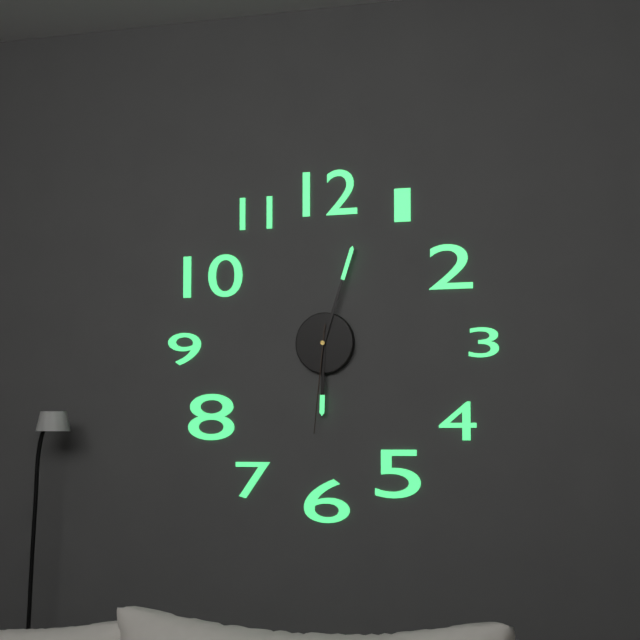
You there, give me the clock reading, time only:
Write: 6:03:31
